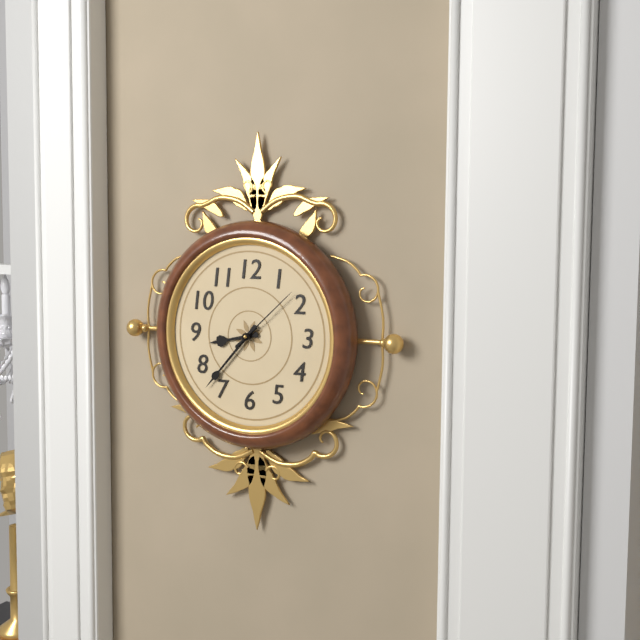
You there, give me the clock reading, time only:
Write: 8:37:08
